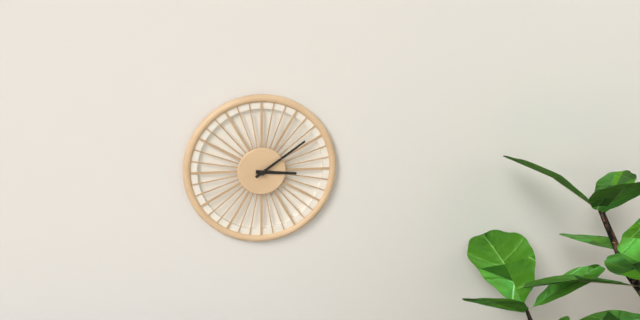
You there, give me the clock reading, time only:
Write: 3:09
